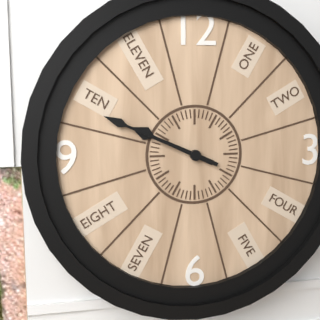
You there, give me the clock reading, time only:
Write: 9:49
